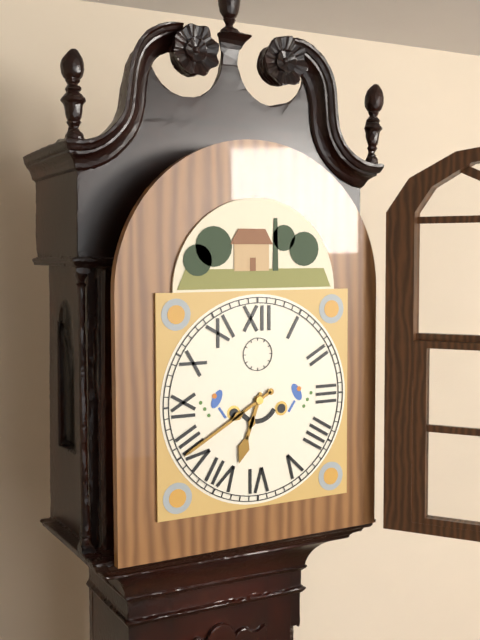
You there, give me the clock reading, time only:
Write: 6:40
